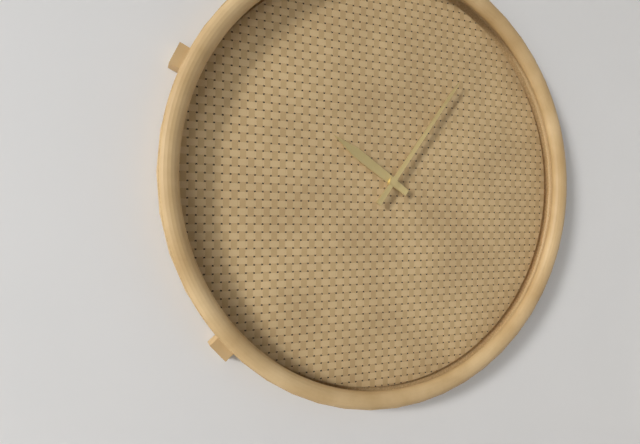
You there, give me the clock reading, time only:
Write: 10:06
